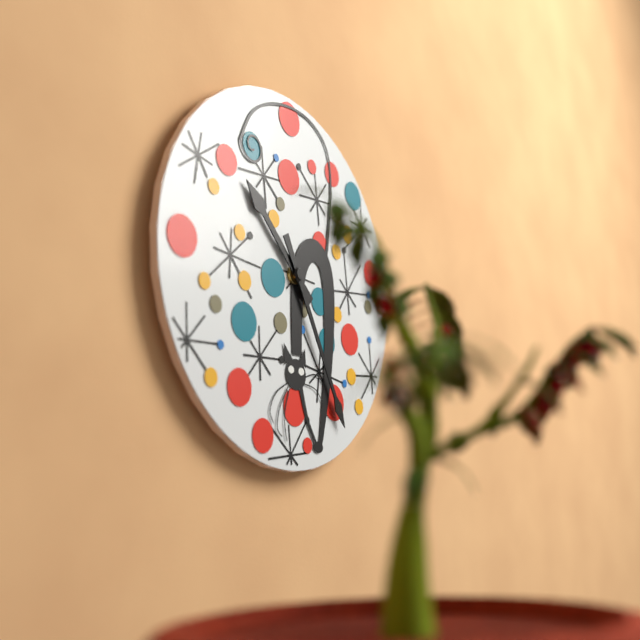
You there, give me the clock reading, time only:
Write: 10:25
